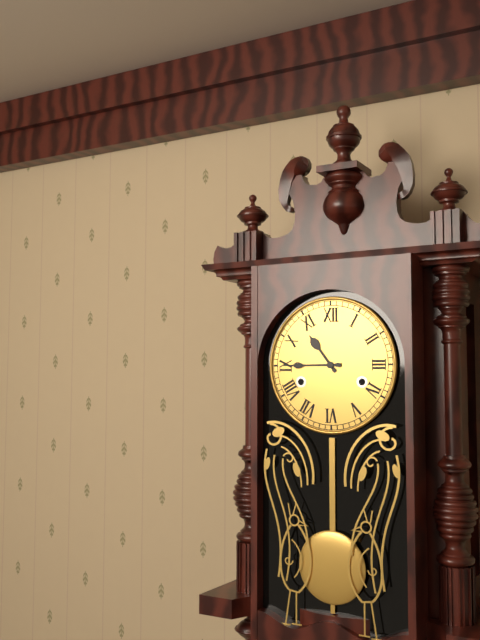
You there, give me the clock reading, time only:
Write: 10:45
